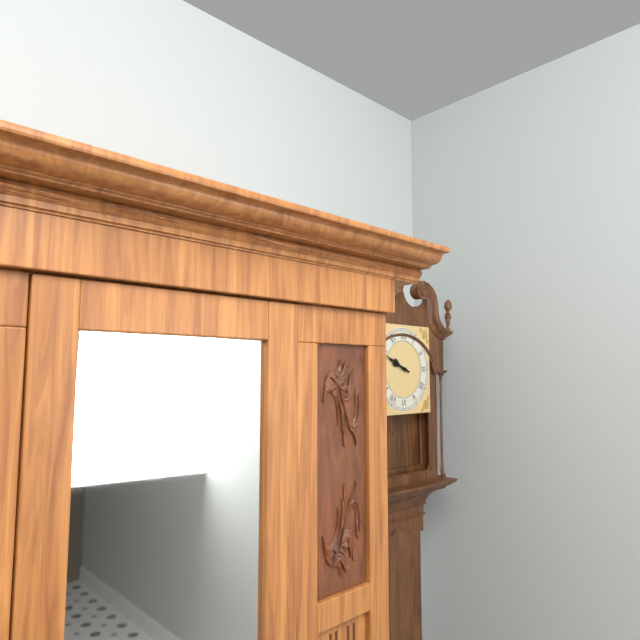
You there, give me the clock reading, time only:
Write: 9:49
